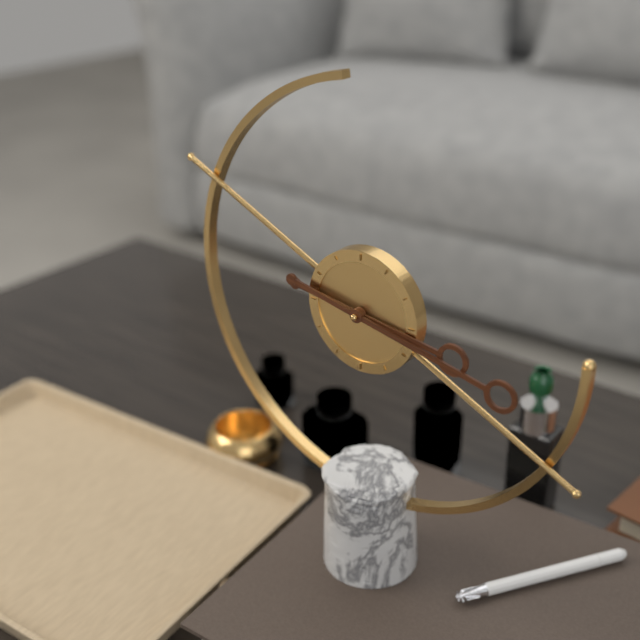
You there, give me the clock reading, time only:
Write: 3:17
